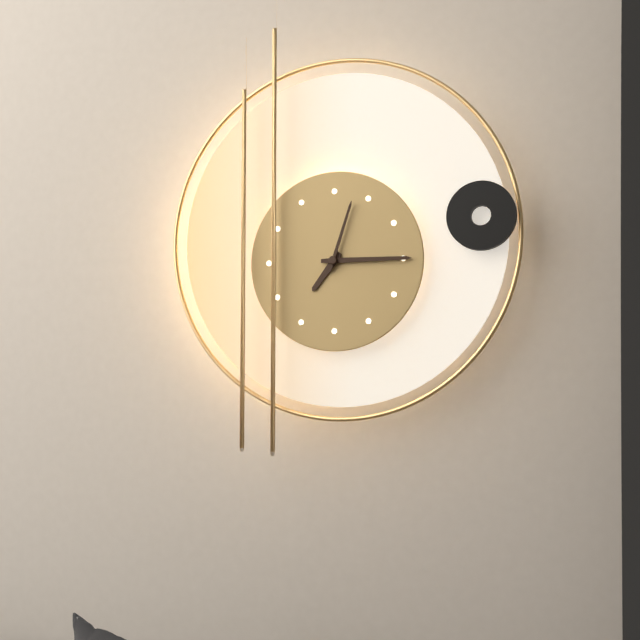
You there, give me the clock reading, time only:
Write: 7:15:03
